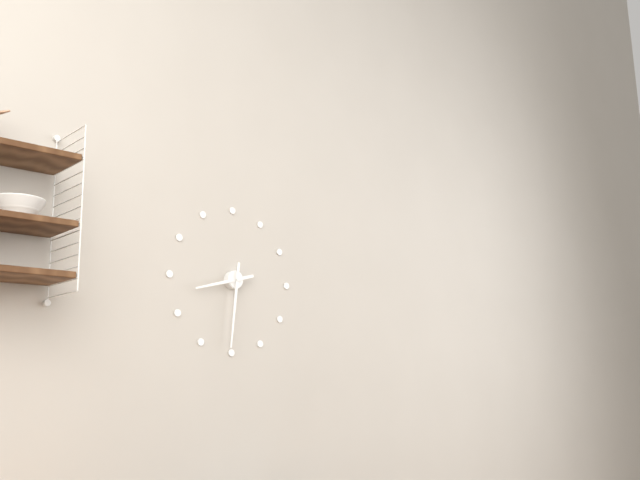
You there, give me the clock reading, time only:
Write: 8:31
